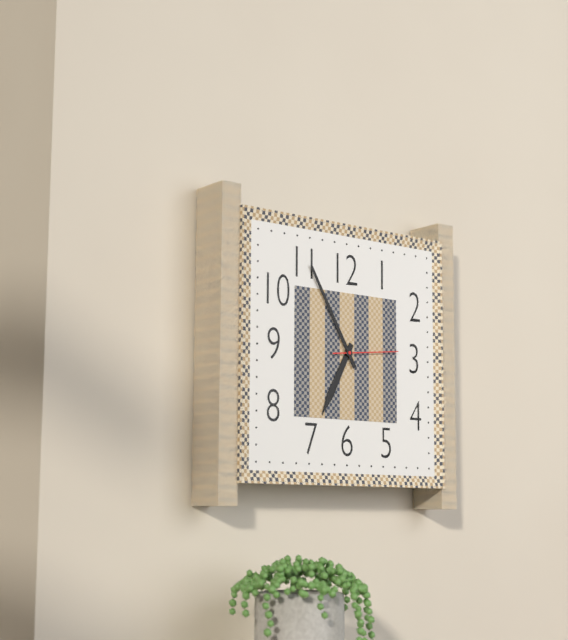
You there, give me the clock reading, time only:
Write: 6:55:14
